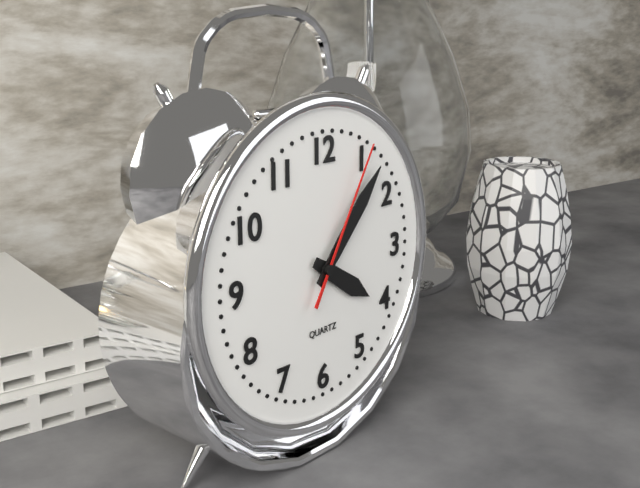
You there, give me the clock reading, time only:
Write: 4:07:05
